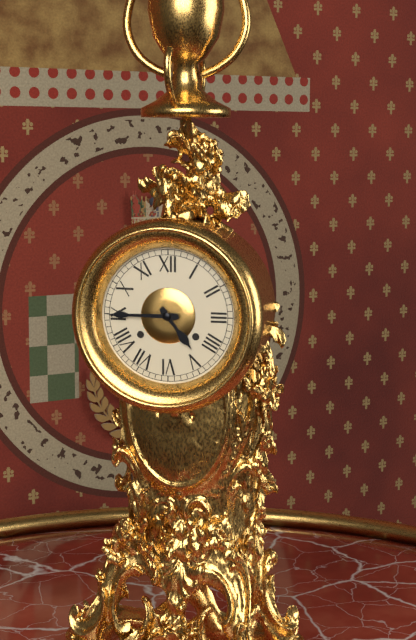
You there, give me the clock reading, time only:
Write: 4:45
